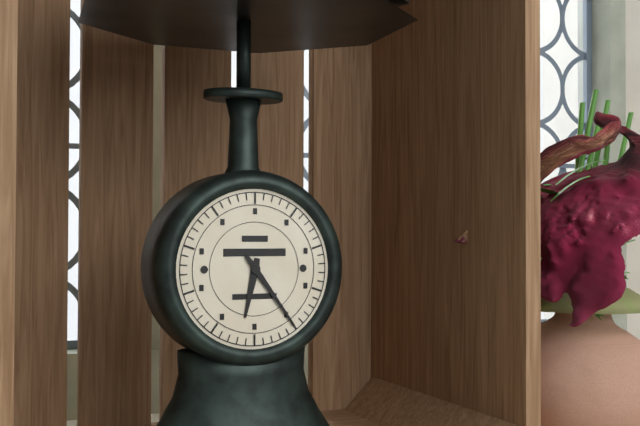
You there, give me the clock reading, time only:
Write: 6:24
